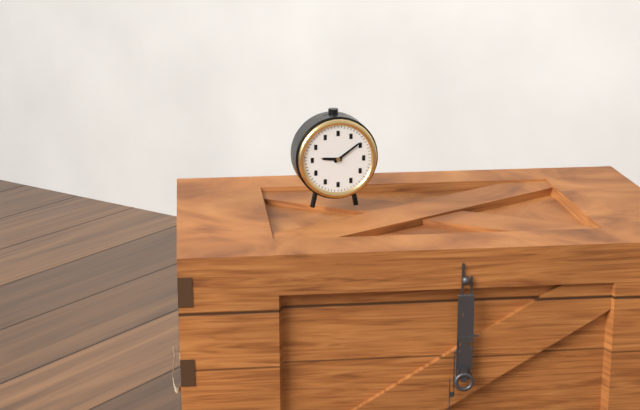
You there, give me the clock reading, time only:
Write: 9:09
